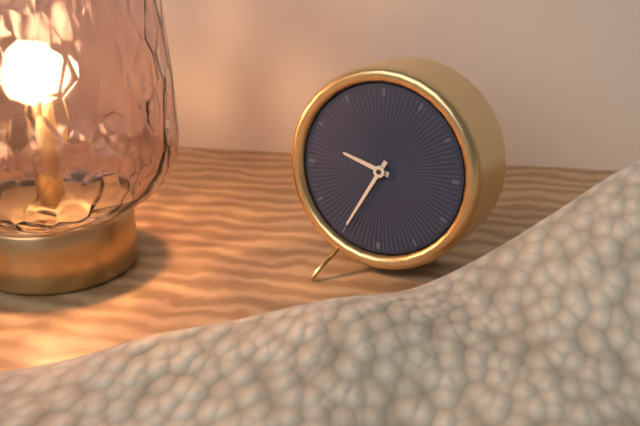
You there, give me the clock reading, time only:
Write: 9:35
